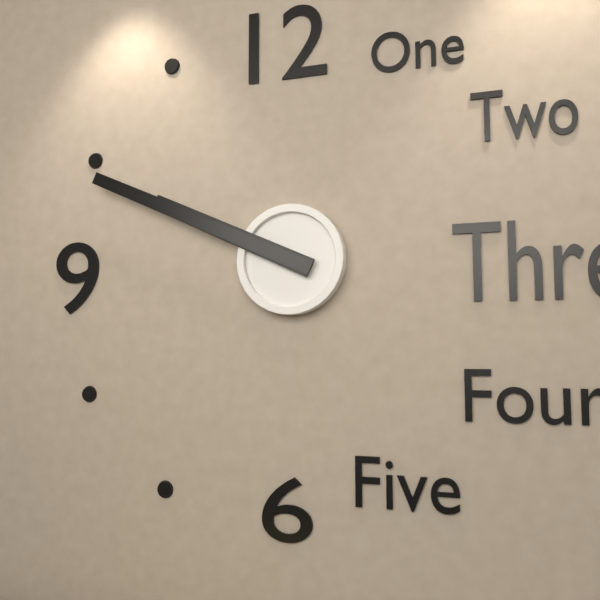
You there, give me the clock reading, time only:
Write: 9:49
